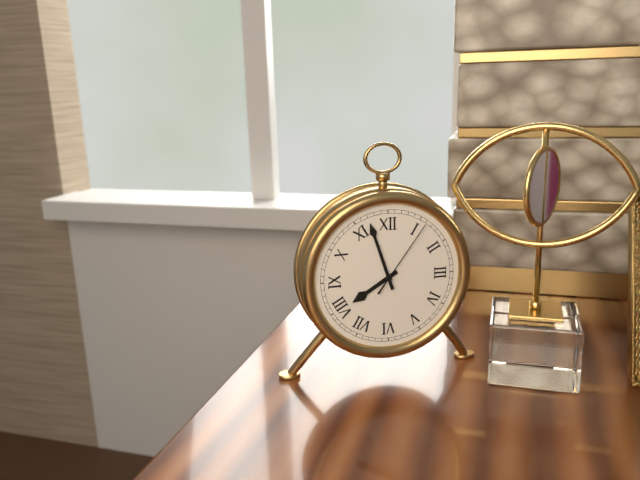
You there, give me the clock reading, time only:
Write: 7:57:06
